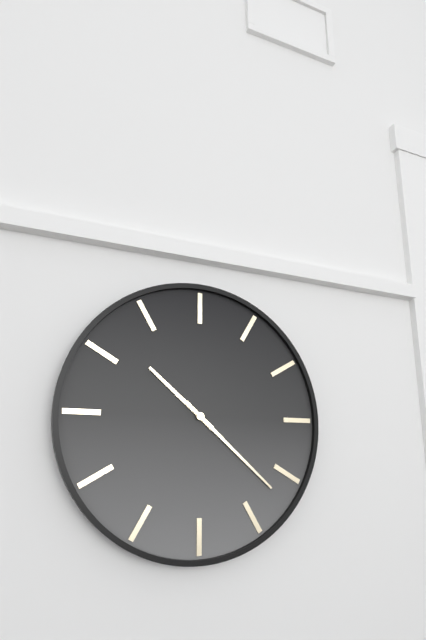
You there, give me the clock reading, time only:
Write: 10:22
